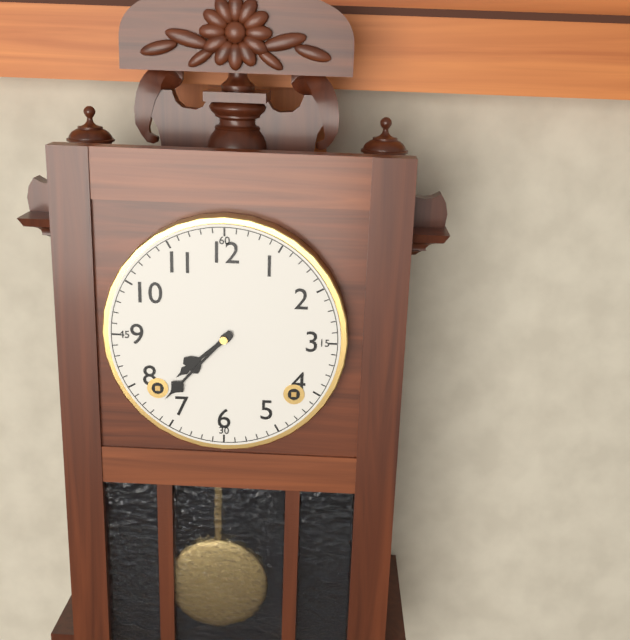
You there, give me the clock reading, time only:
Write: 7:37
